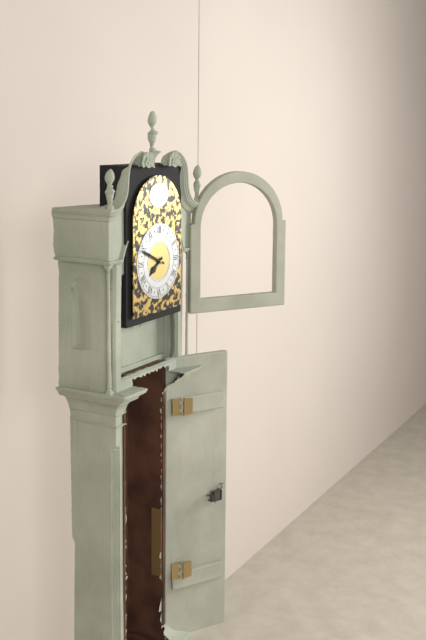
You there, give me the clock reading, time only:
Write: 7:49
